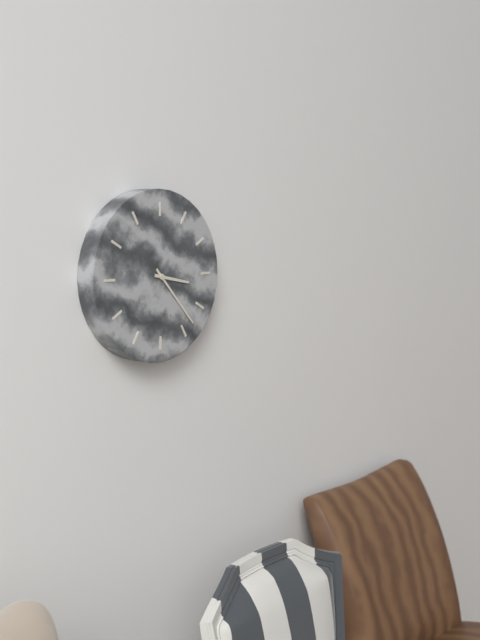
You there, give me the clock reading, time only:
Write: 3:23
